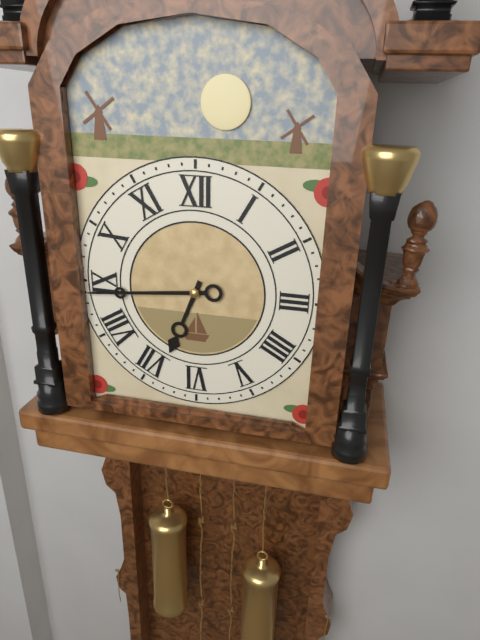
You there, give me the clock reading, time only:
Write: 6:44
